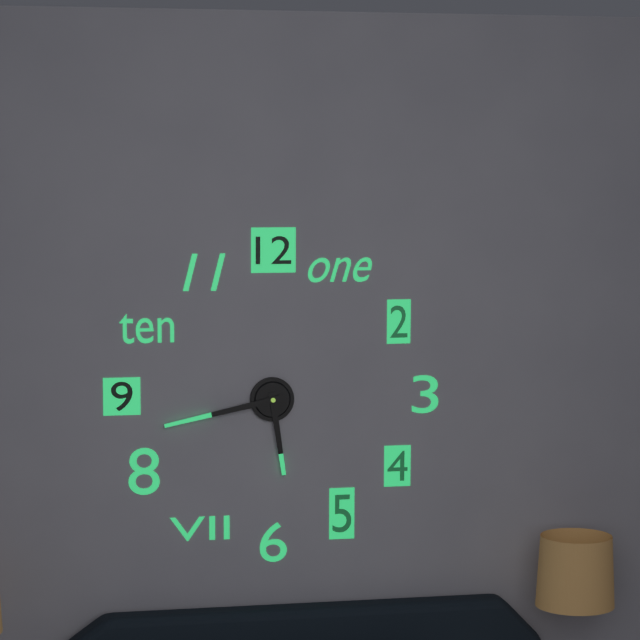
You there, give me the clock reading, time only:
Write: 5:43
